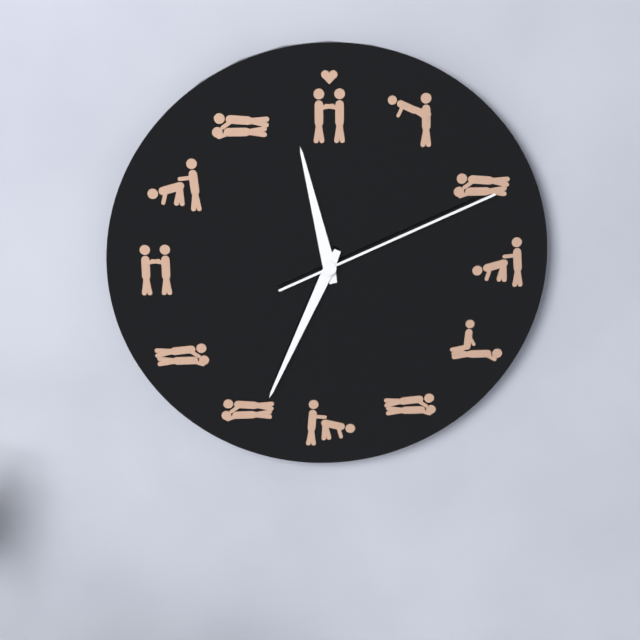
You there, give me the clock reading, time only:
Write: 11:34:11
